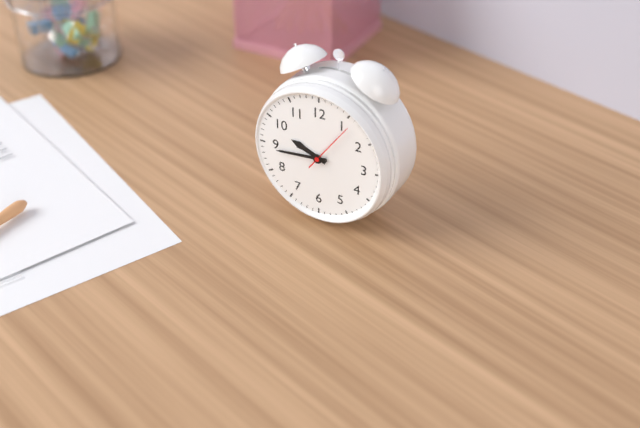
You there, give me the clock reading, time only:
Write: 9:44:06
